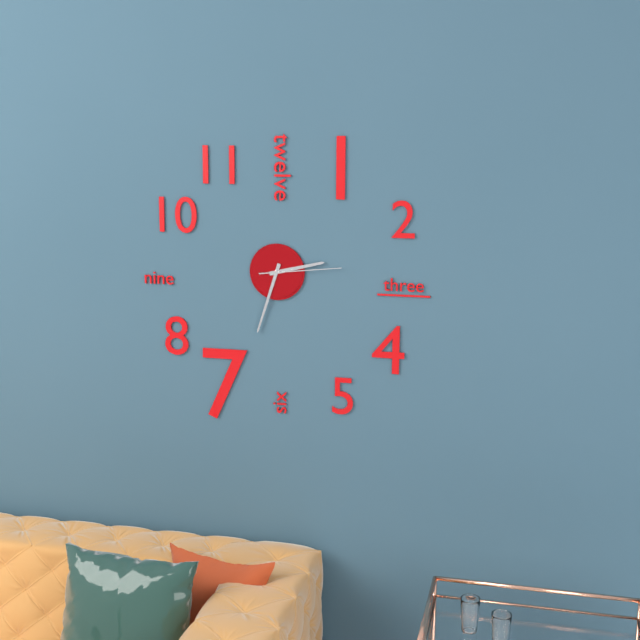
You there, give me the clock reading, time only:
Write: 2:33:14
